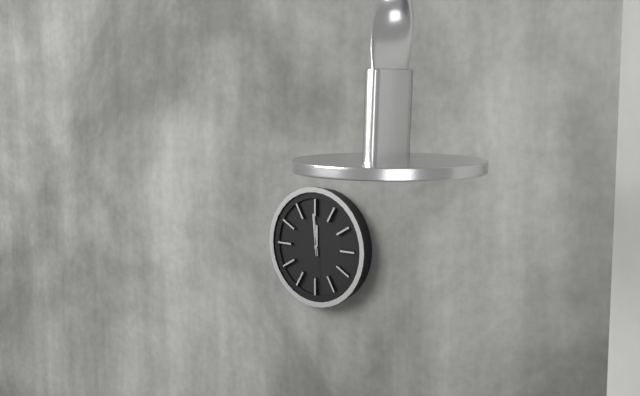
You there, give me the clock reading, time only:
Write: 11:59:29
